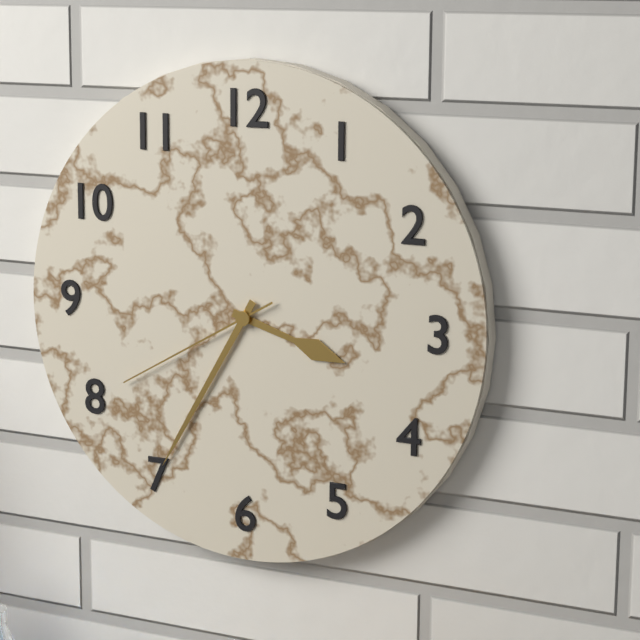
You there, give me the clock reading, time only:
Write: 3:35:40
